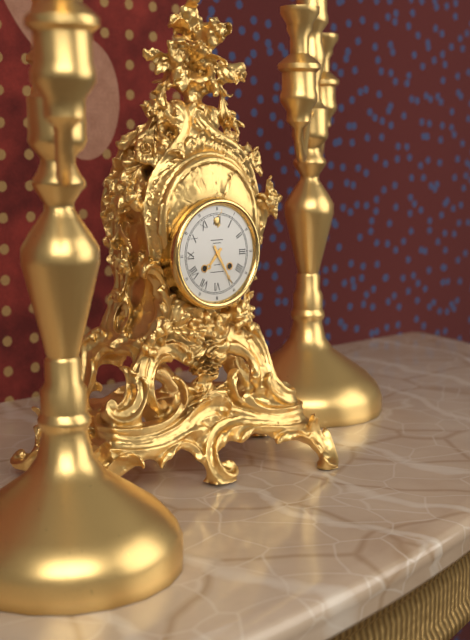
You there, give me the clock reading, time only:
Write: 7:25
